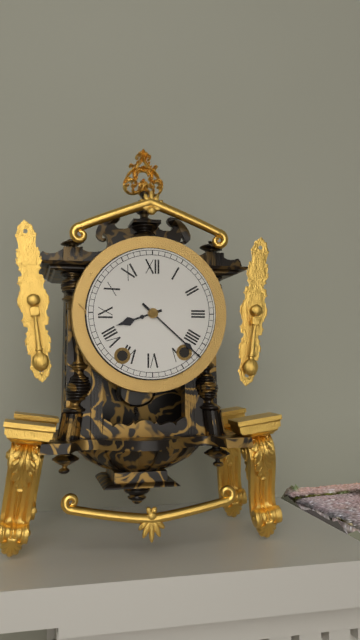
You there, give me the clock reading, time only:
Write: 8:22
